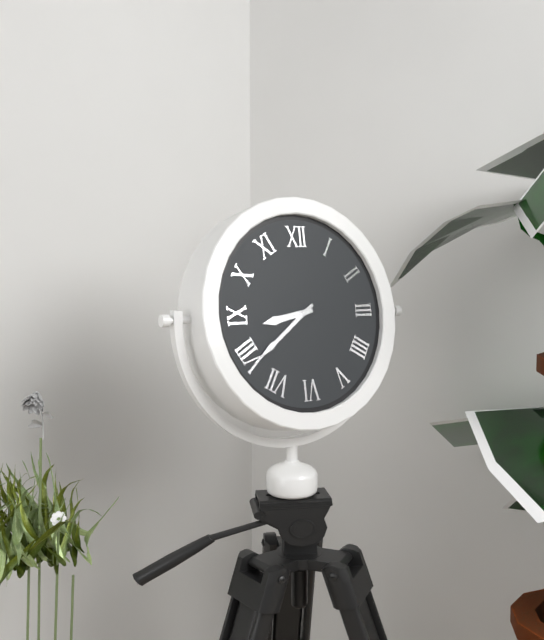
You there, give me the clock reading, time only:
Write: 8:39
